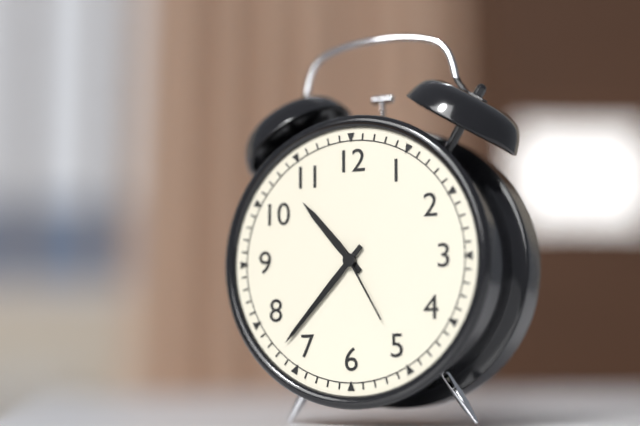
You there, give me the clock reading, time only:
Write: 10:37:25
